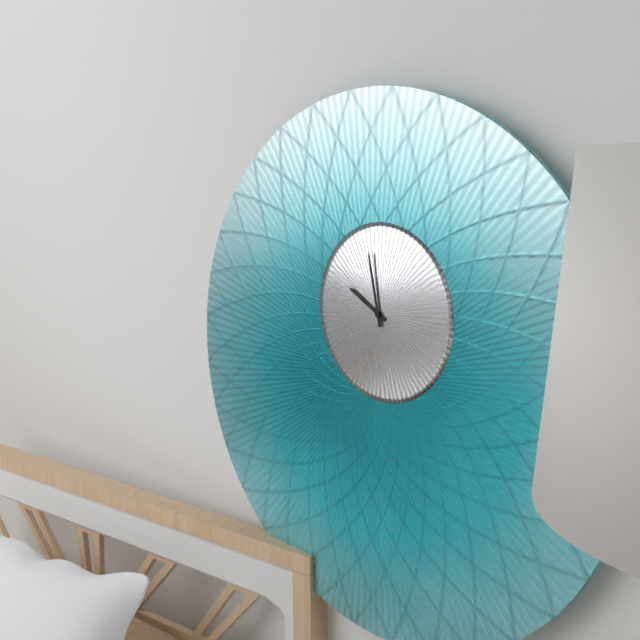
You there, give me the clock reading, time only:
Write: 9:58
